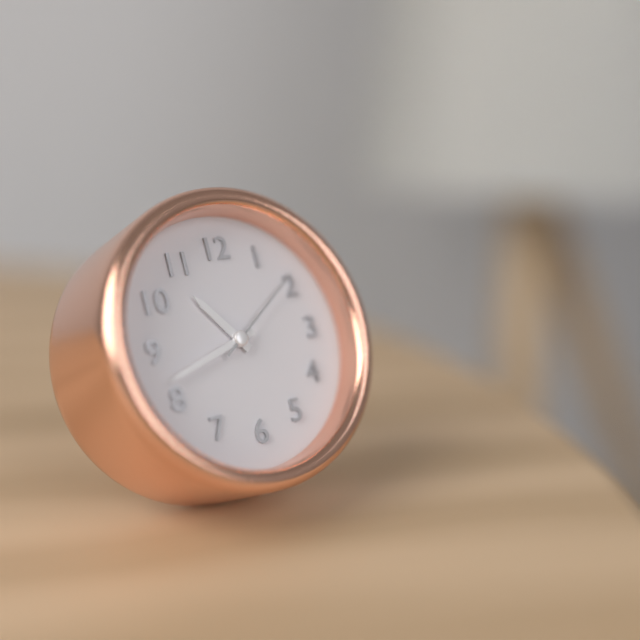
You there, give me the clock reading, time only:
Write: 10:42:09
